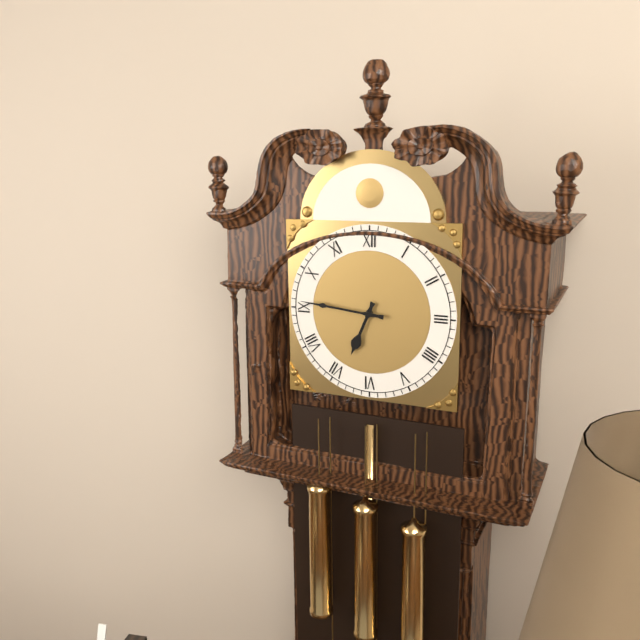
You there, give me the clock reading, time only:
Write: 6:46
